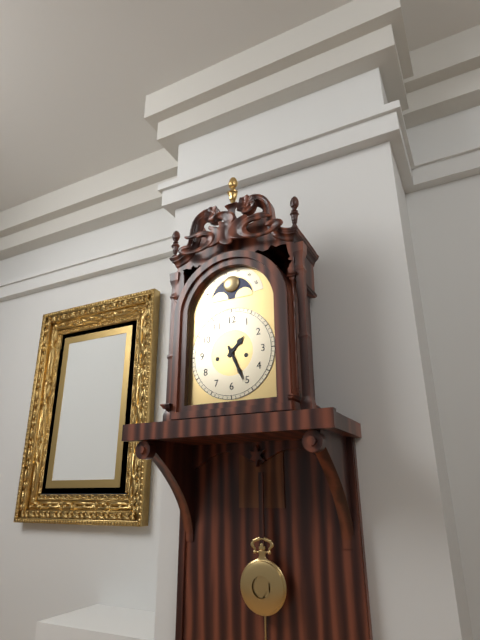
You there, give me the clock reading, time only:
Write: 1:26
